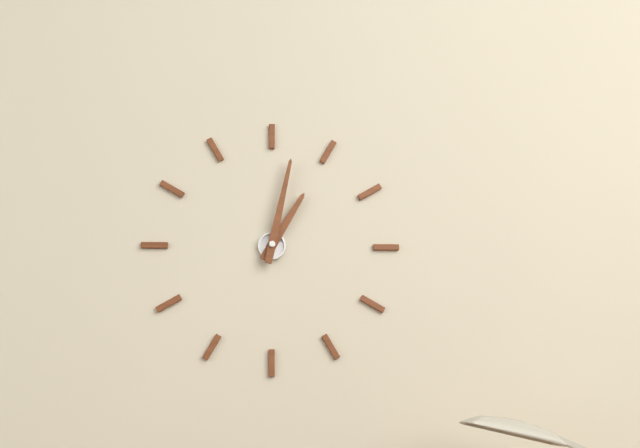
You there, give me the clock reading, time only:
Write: 1:02
